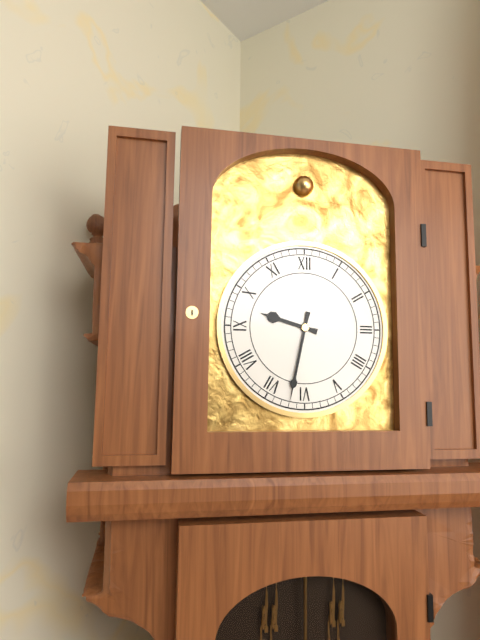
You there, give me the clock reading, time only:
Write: 9:32
